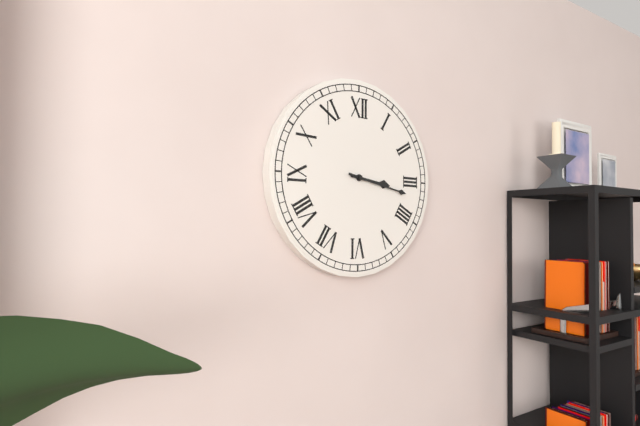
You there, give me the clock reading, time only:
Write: 3:17
